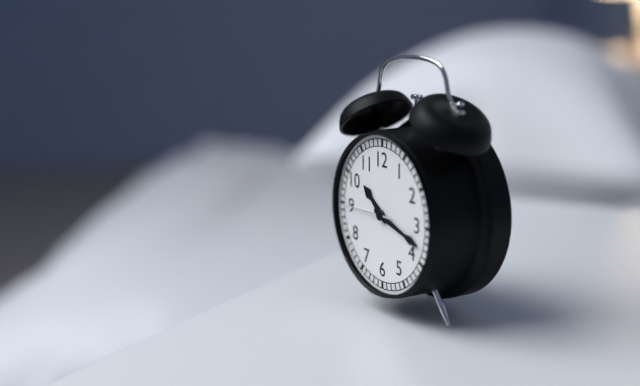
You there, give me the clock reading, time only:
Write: 10:18
